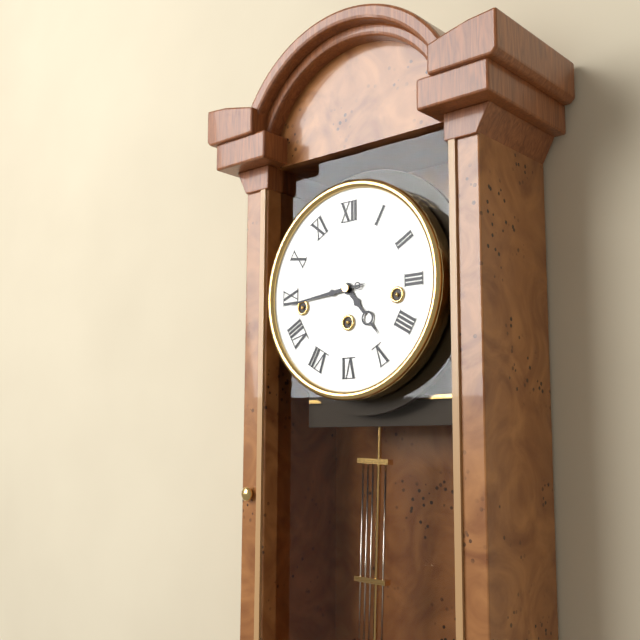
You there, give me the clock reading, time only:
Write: 4:44
